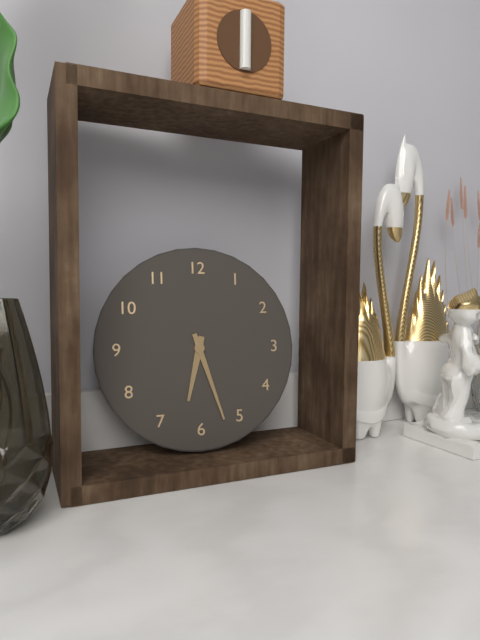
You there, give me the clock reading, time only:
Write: 6:27
